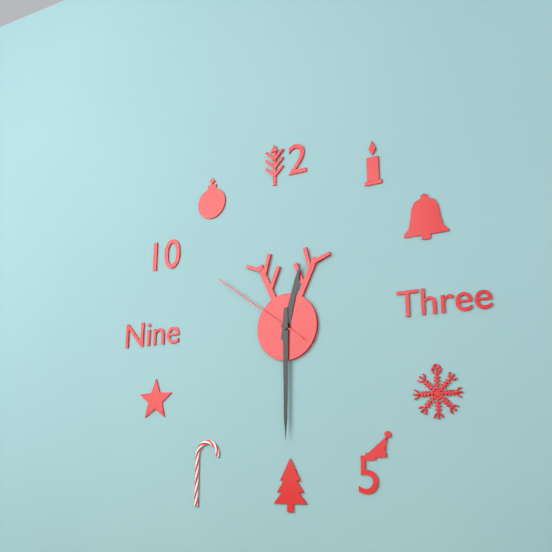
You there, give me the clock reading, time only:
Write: 12:30:51
